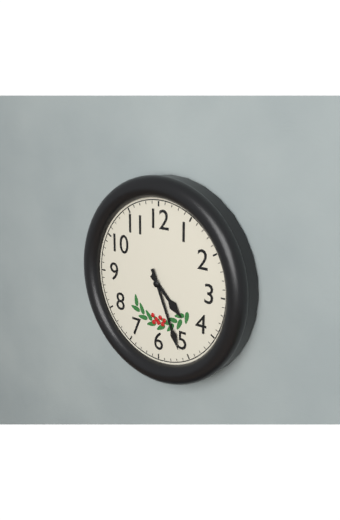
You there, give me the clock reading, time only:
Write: 4:26
